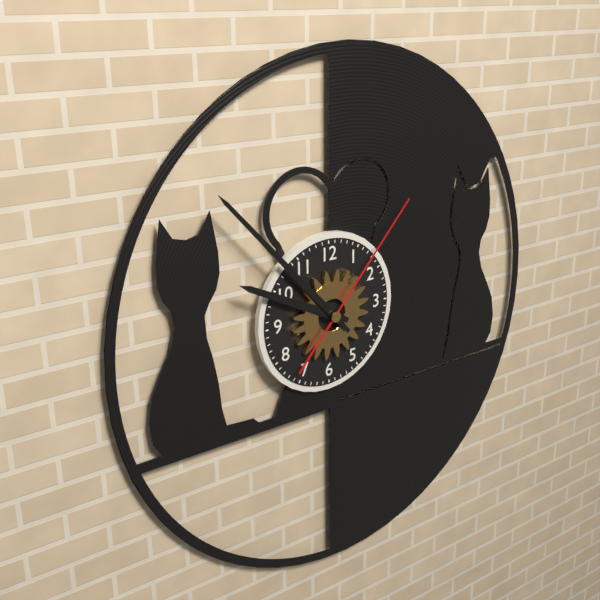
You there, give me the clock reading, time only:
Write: 9:53:07
